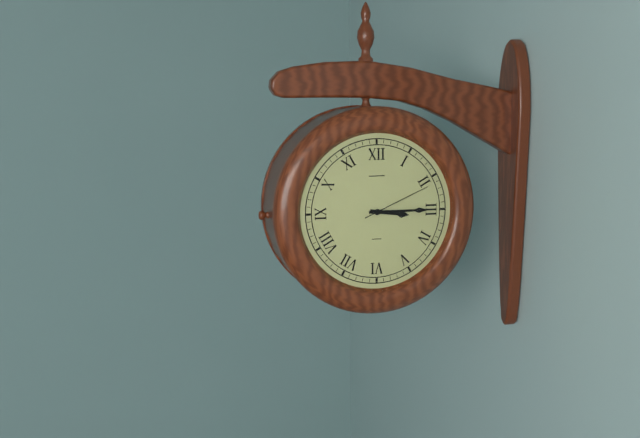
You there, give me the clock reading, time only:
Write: 3:15:11
